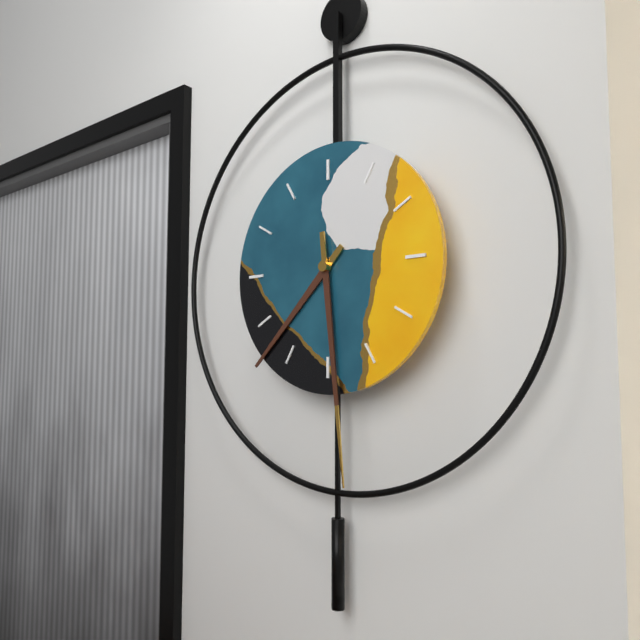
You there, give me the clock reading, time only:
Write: 7:29
